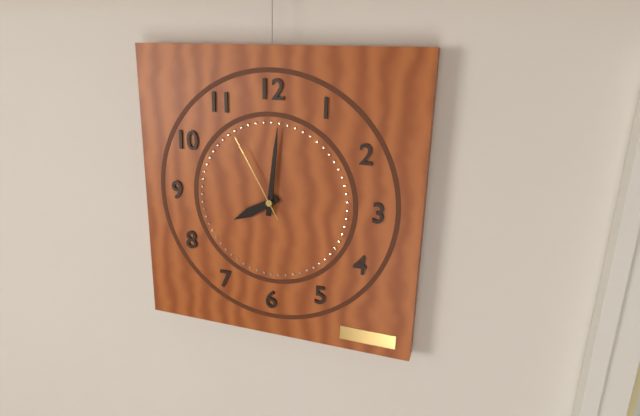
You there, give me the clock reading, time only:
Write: 8:01:55
